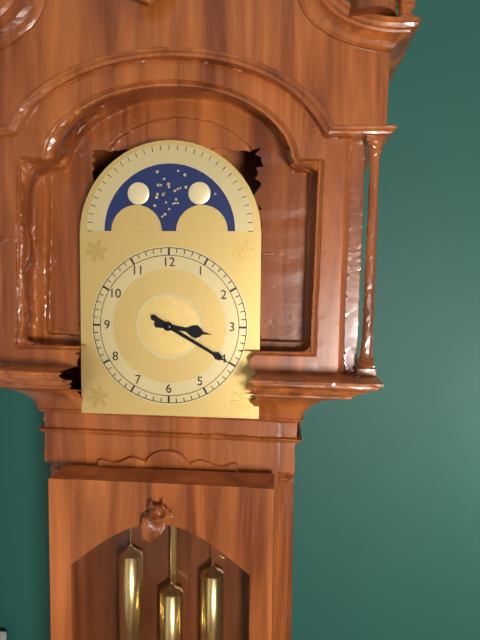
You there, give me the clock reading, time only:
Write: 3:20
